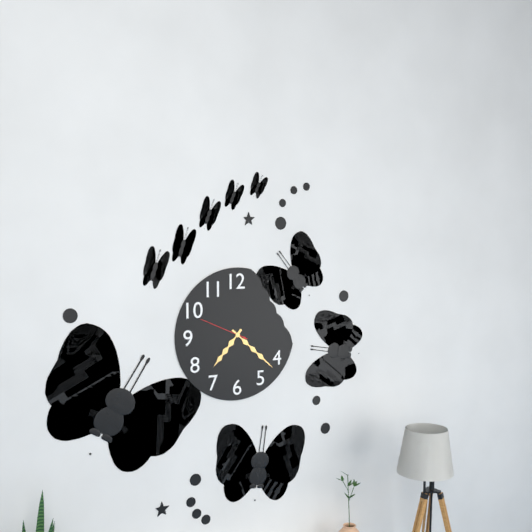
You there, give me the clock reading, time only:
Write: 7:22:49
